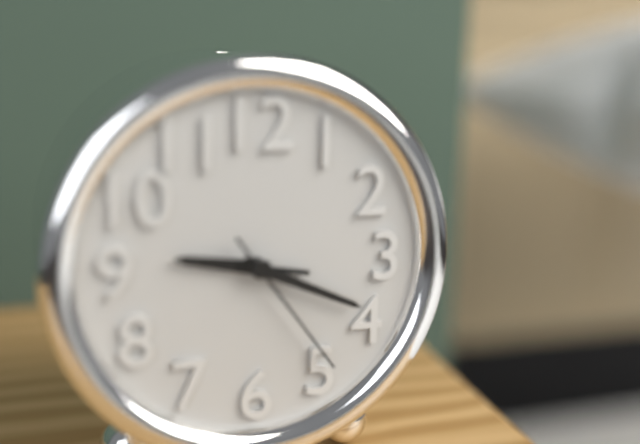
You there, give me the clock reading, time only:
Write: 9:19:24
